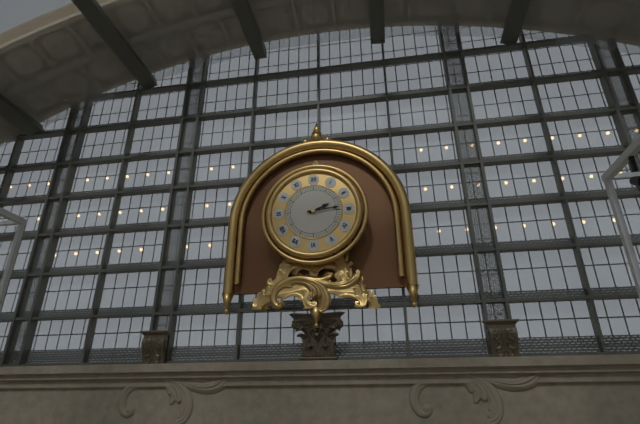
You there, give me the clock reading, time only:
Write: 2:14
